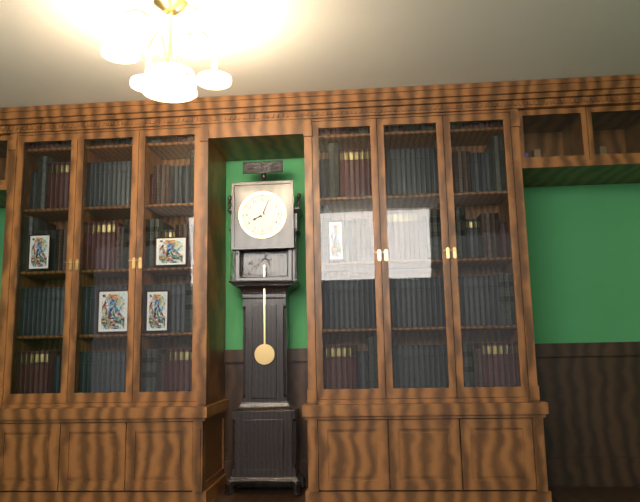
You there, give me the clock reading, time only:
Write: 8:04
